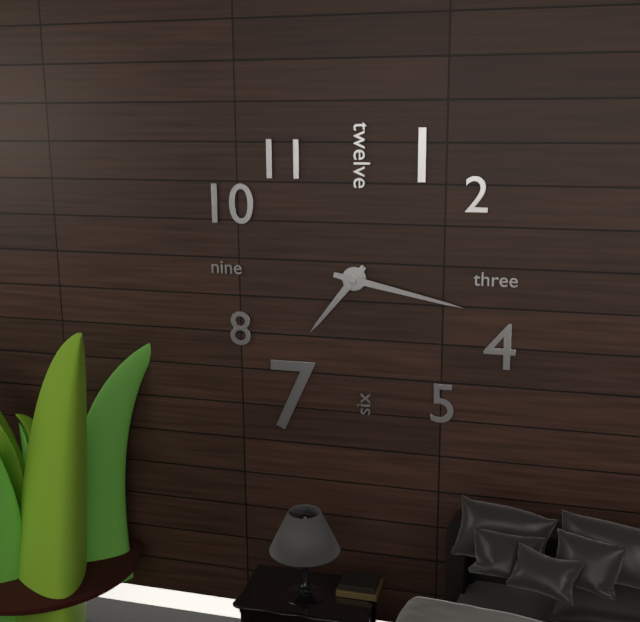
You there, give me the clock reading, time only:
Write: 7:17
